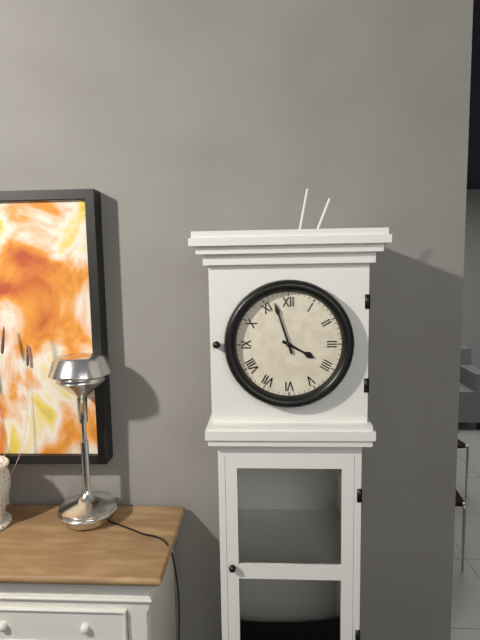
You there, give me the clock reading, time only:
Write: 3:57
